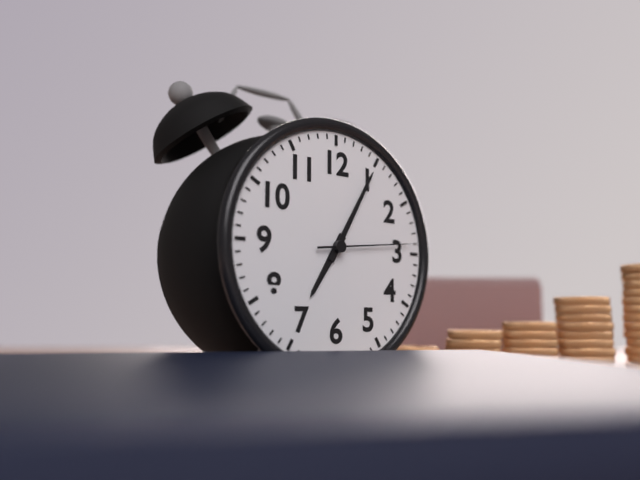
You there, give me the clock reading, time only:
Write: 7:05:14
